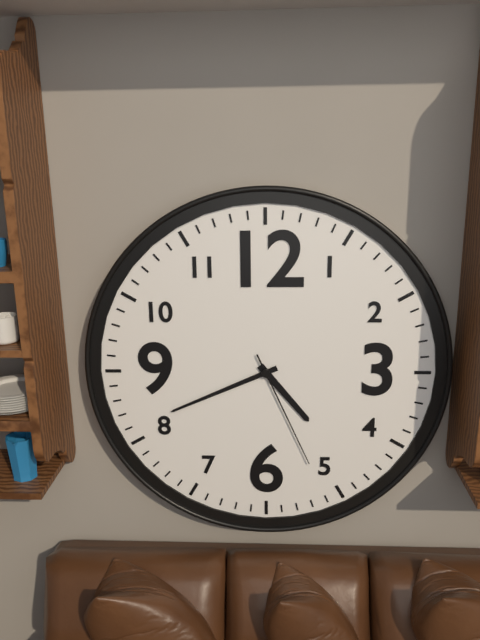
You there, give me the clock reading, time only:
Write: 4:41:26
